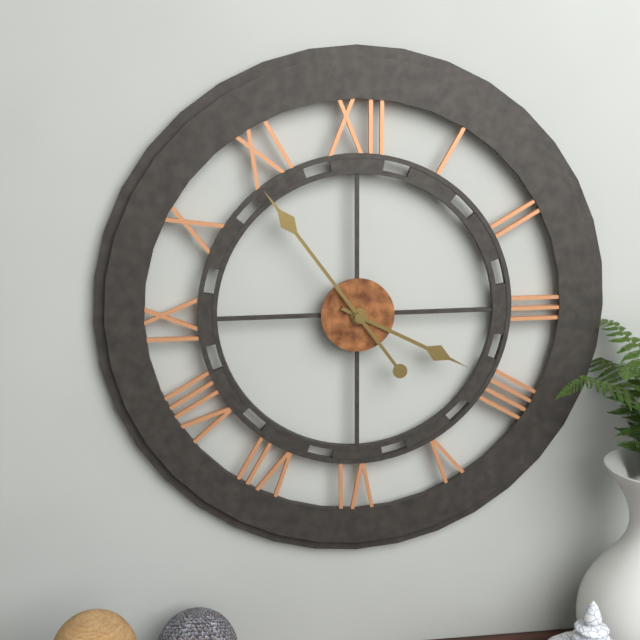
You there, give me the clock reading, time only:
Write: 3:54
